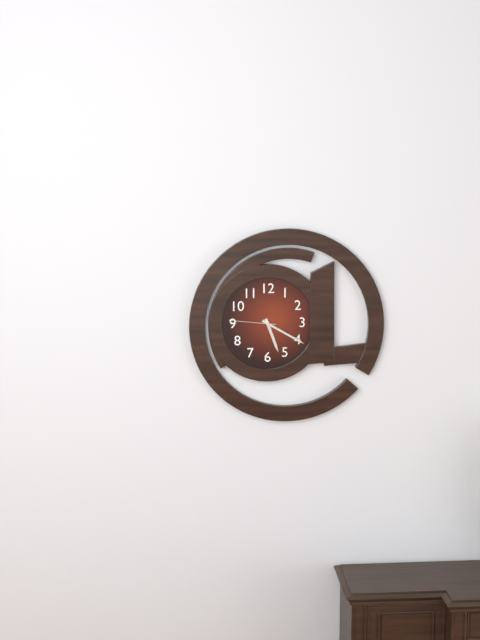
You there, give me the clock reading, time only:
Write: 5:20
